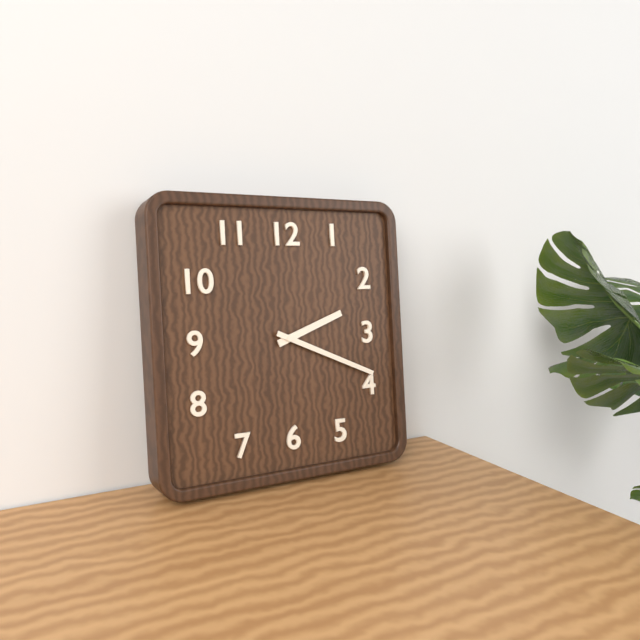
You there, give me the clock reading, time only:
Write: 2:19
